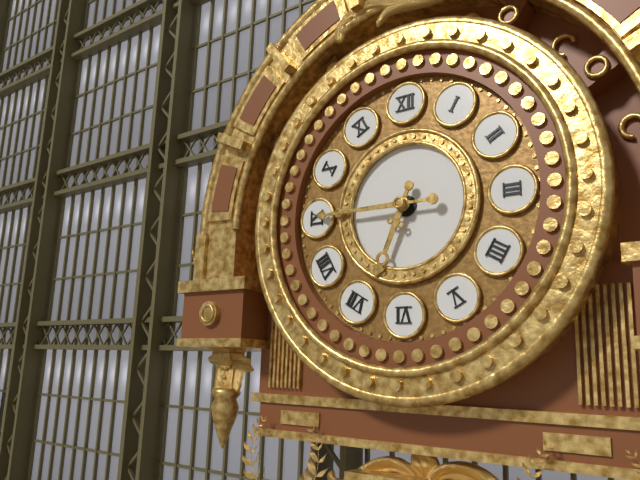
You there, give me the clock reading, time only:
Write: 6:45
